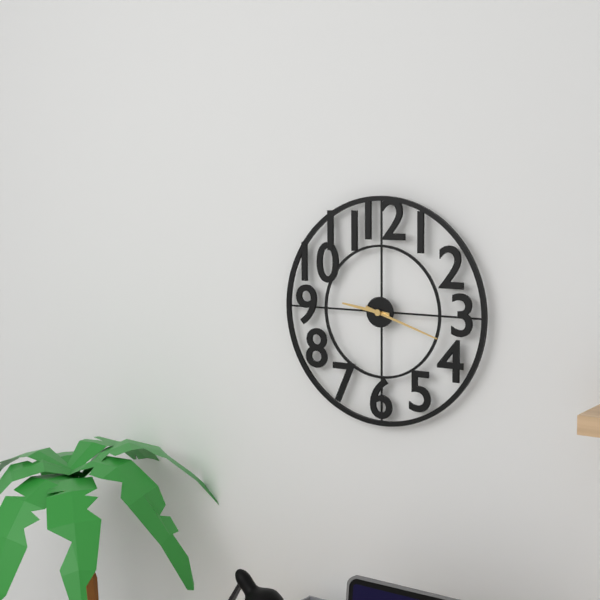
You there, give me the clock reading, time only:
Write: 9:18
